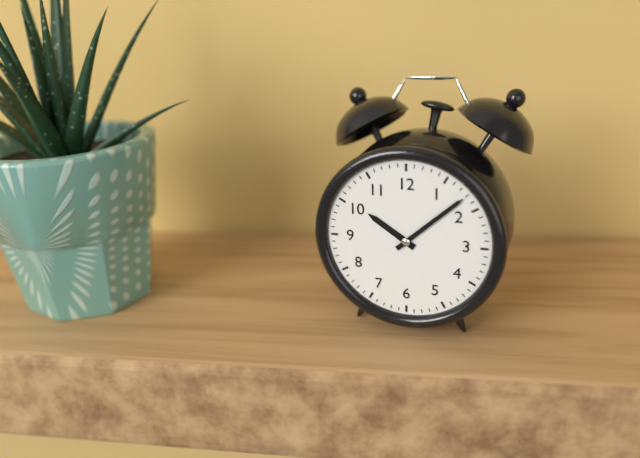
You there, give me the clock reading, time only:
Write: 10:08
